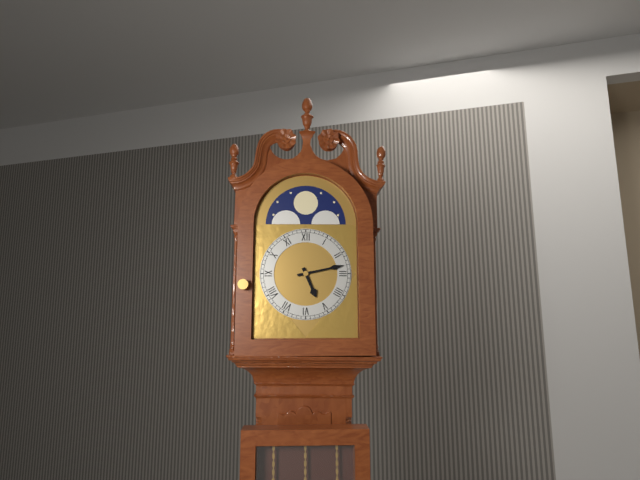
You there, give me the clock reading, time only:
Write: 5:13
